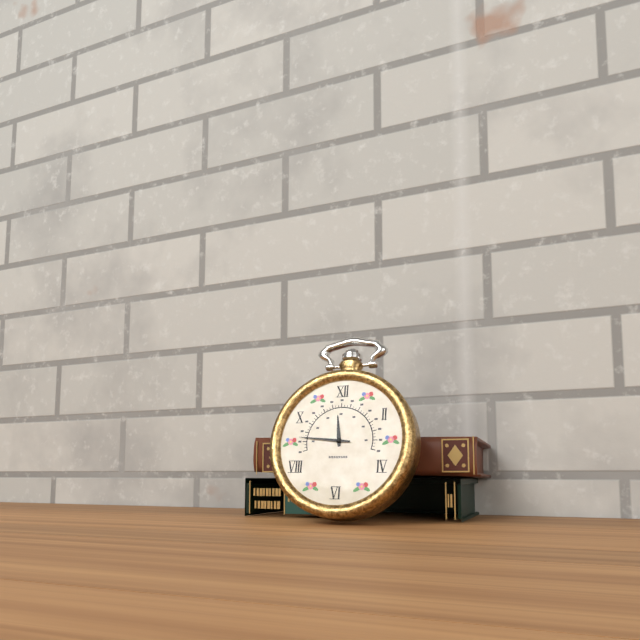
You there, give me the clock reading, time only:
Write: 11:46
